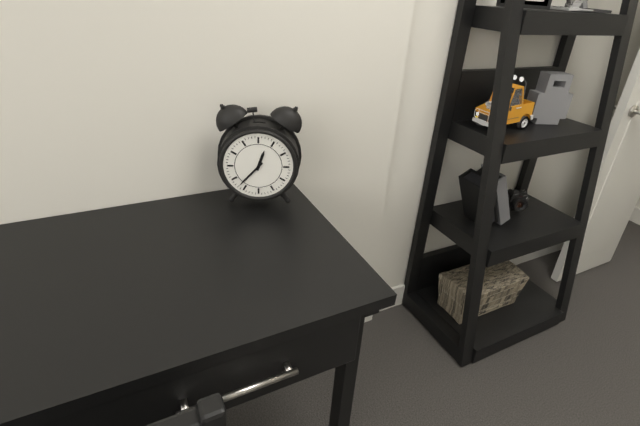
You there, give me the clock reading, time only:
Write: 12:37
